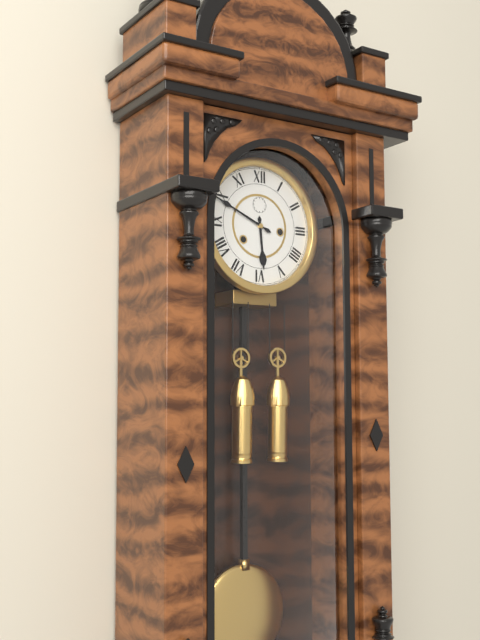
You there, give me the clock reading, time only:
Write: 5:49
